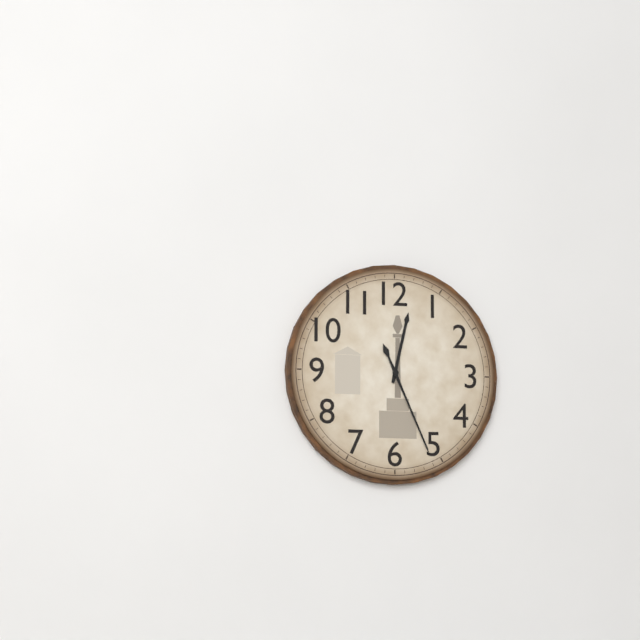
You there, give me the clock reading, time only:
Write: 12:26
